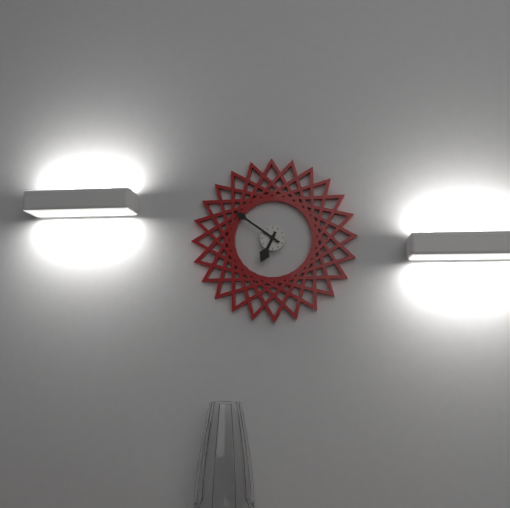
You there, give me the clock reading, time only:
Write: 6:51
